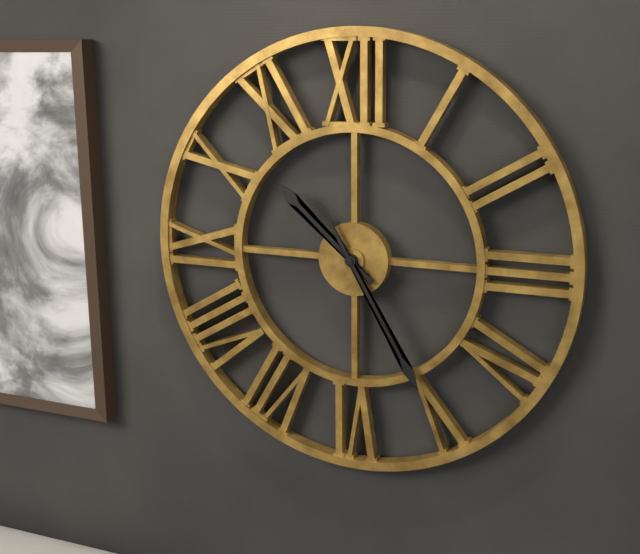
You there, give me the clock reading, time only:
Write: 10:25
